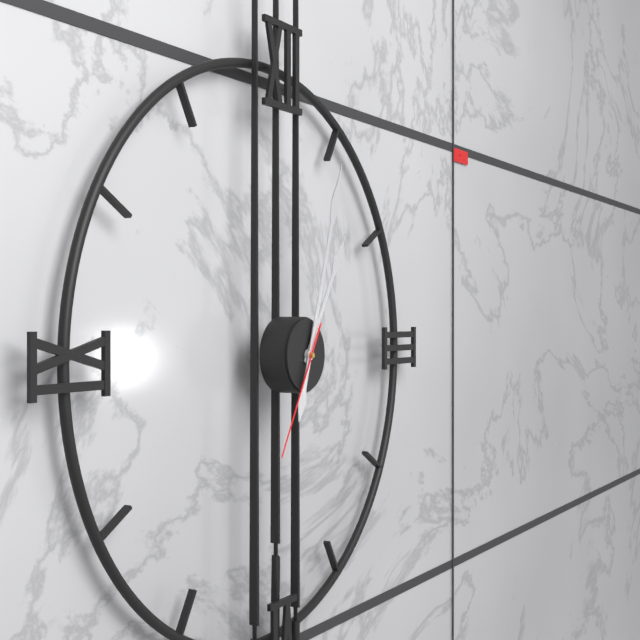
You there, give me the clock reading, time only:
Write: 1:03:35
